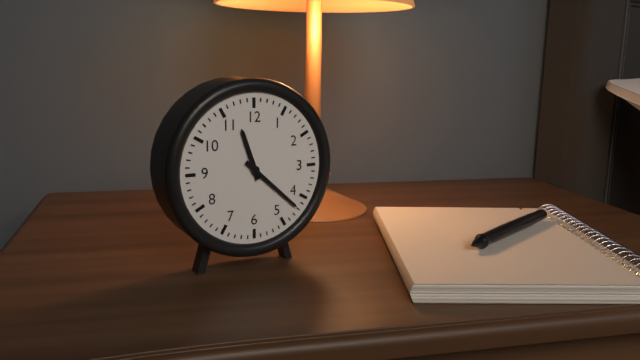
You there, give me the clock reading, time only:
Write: 11:22
